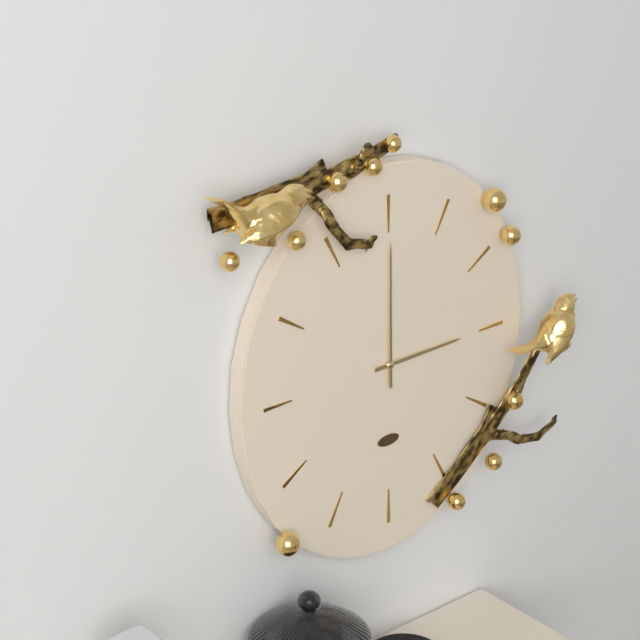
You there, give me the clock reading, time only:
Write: 3:00
